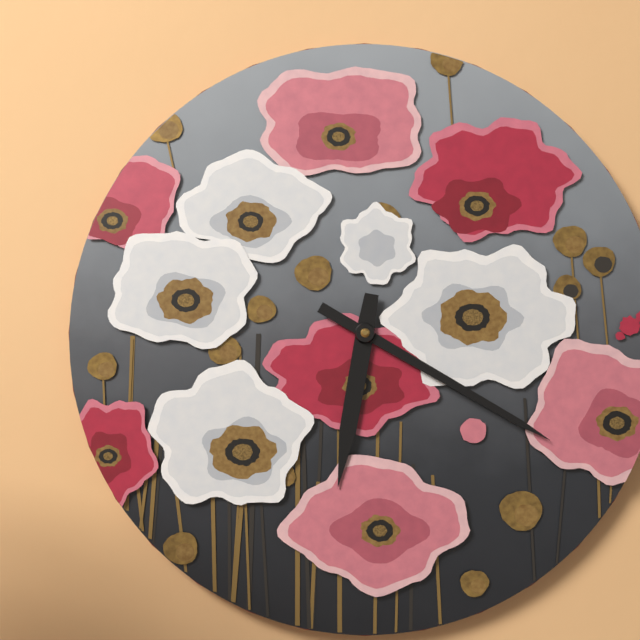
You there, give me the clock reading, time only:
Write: 6:20
